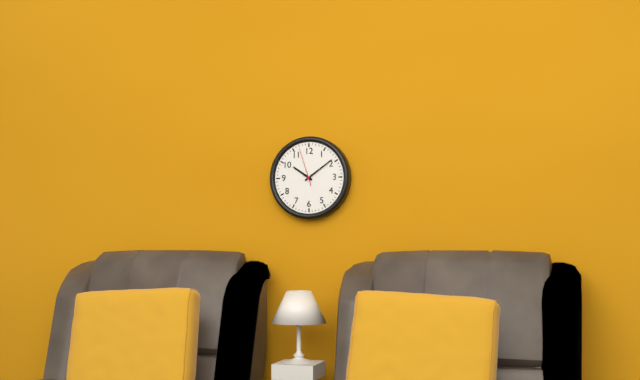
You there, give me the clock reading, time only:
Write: 10:09
